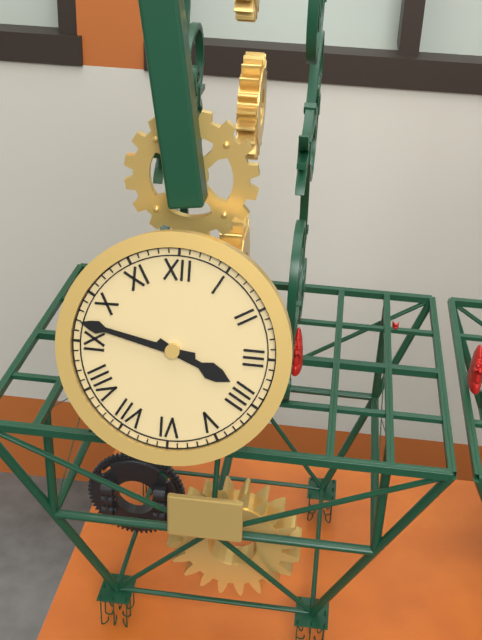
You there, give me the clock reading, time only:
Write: 3:47
